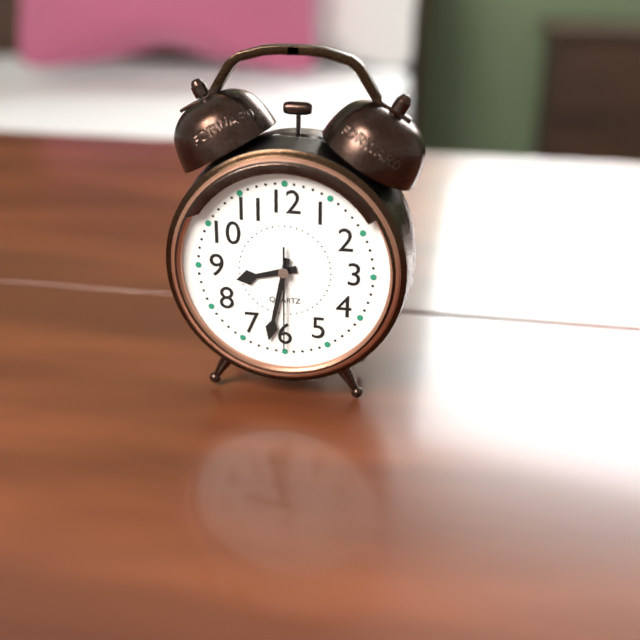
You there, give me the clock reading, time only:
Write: 8:32:30
